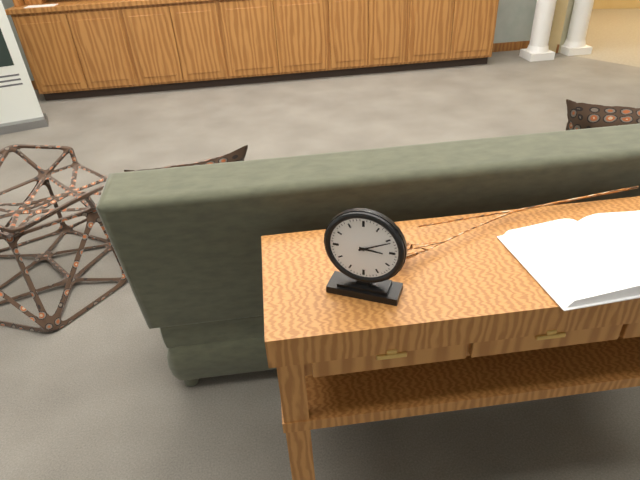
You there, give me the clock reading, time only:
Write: 3:11
